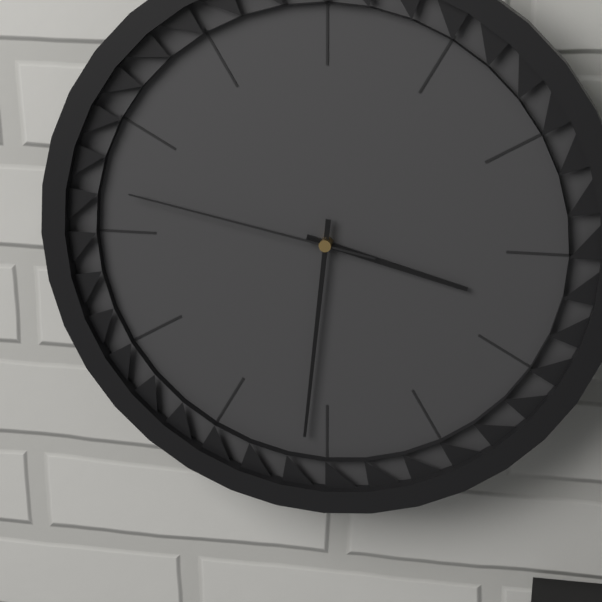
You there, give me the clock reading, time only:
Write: 3:31:47
